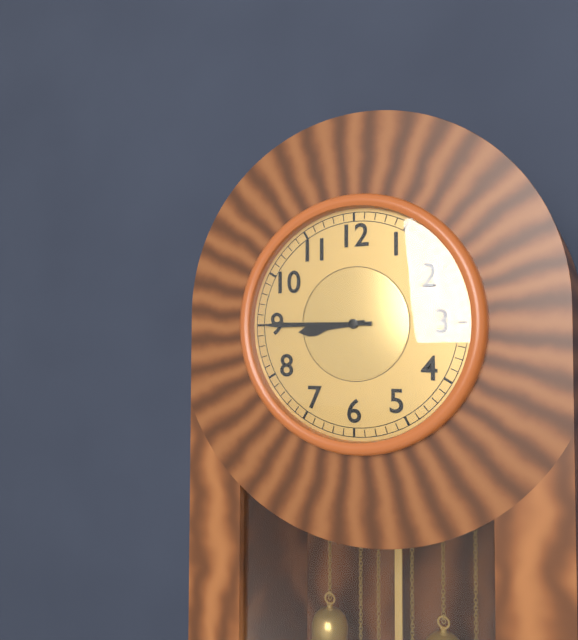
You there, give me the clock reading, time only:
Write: 8:45
